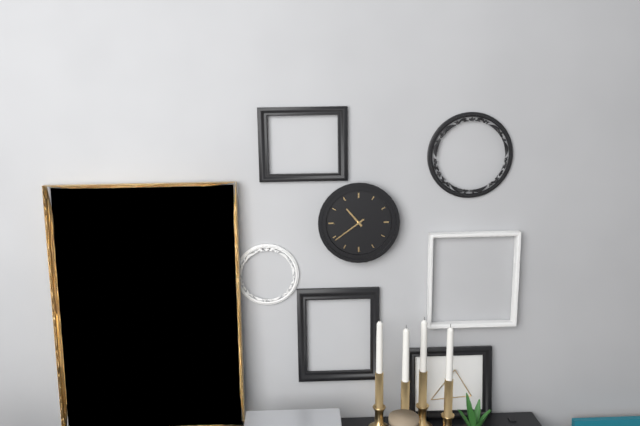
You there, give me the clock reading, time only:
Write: 10:39
